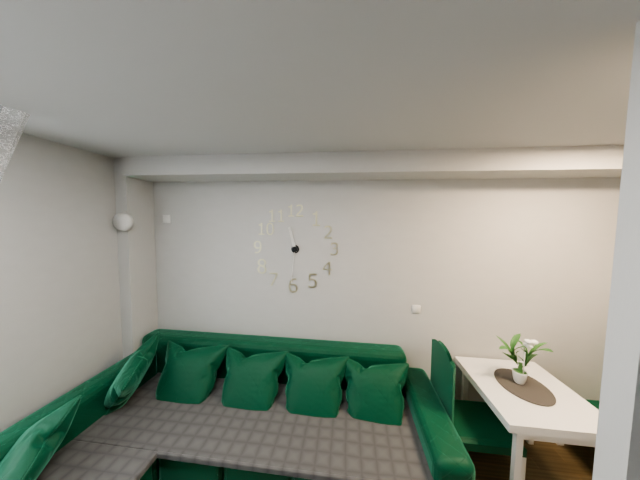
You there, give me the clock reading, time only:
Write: 11:31
